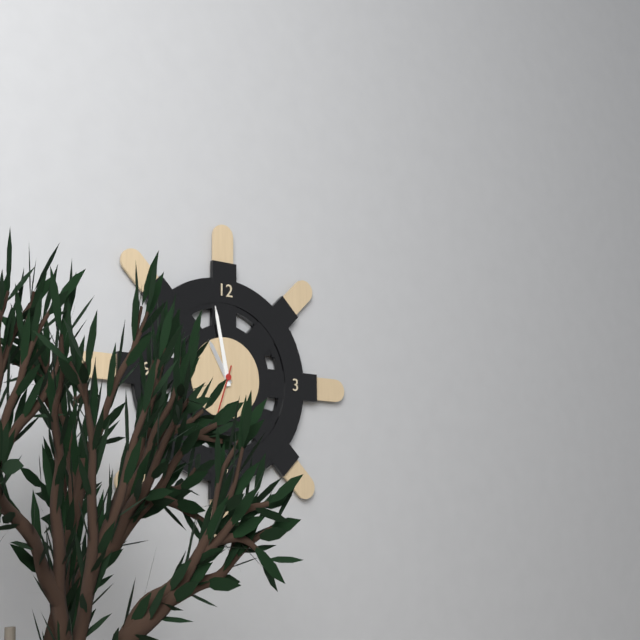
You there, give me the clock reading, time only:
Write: 10:58:33
